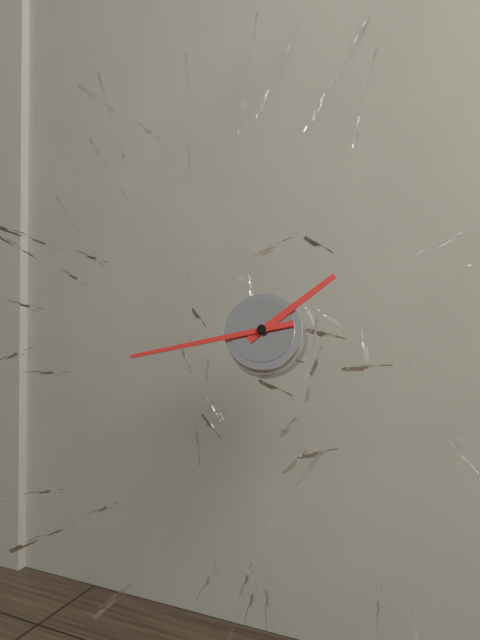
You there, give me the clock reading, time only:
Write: 1:43
